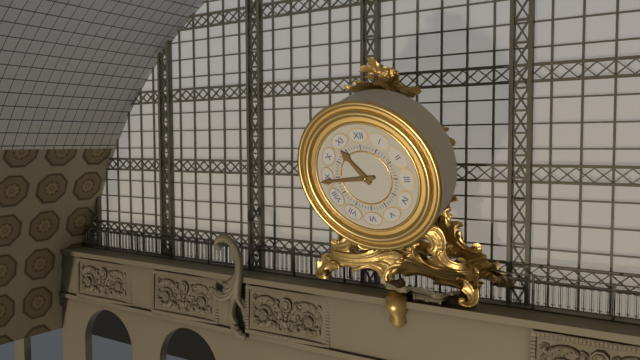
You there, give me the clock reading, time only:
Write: 10:44
